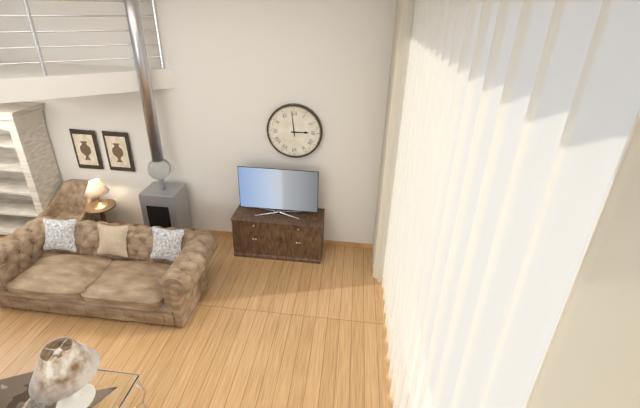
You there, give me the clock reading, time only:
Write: 2:59
